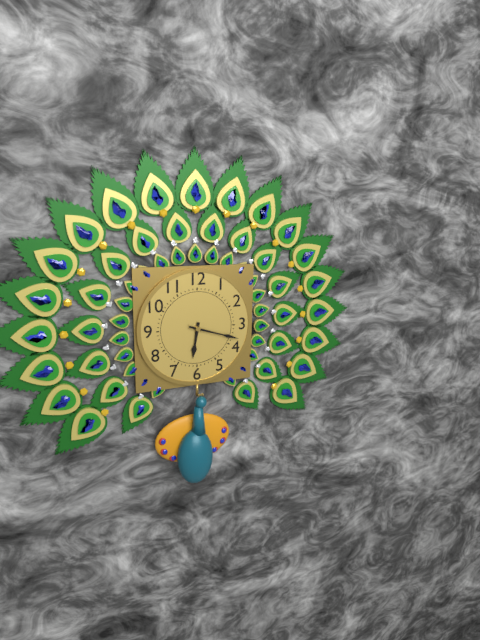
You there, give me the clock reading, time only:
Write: 6:18
